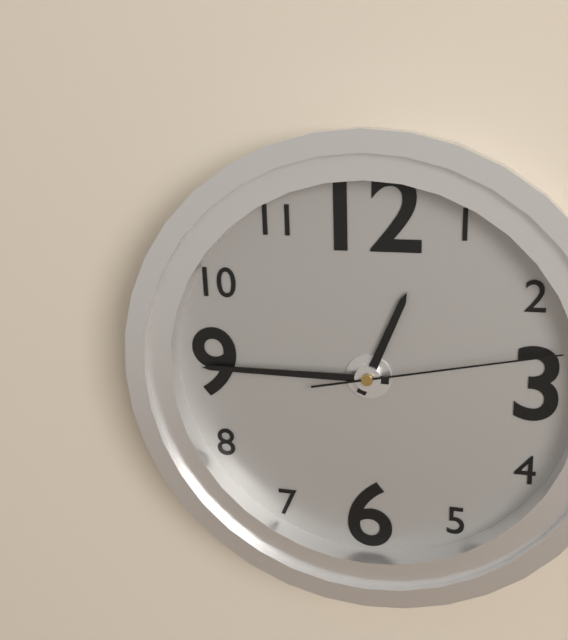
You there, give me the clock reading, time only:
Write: 12:45:13
